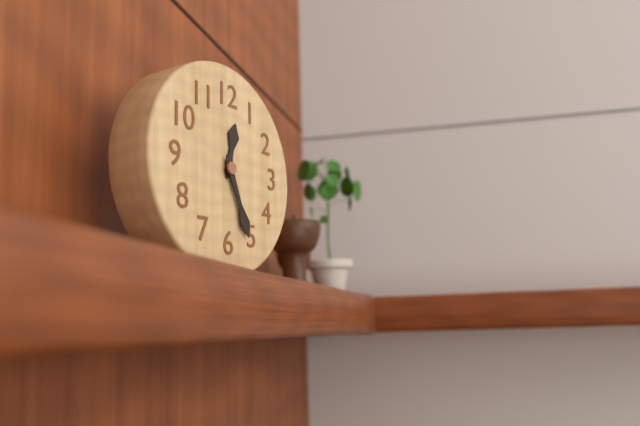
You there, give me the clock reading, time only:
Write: 12:26
